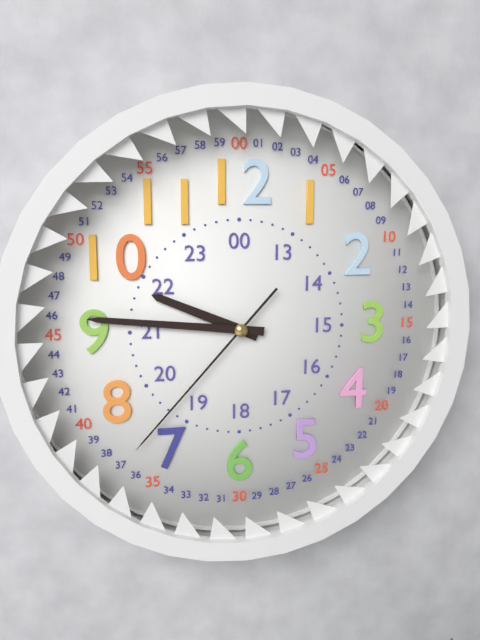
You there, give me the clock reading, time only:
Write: 9:46:37
